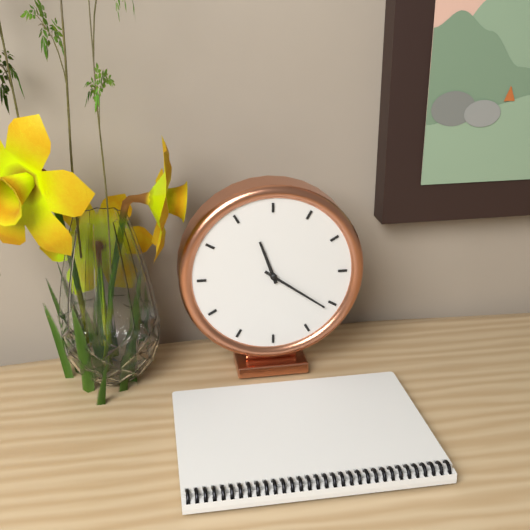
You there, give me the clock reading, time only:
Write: 11:21
